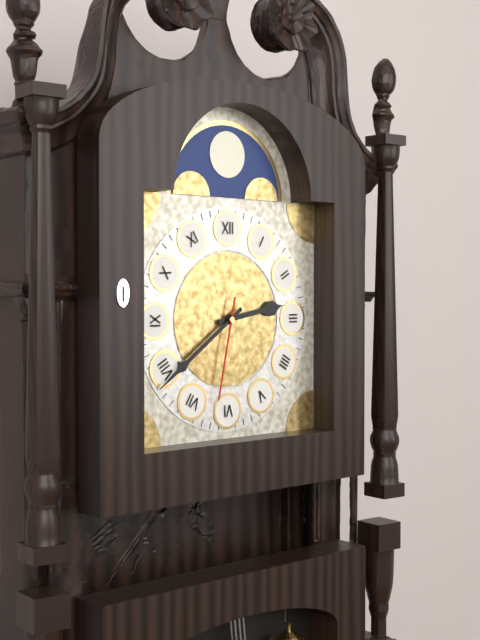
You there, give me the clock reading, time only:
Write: 2:39:32
